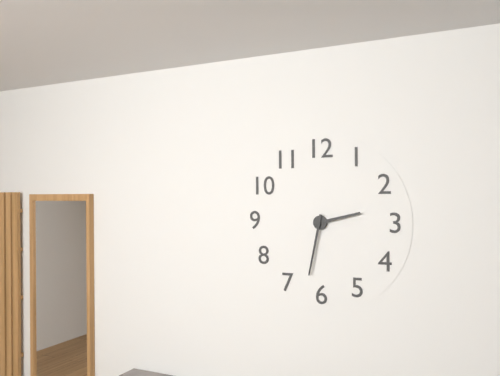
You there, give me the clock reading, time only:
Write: 2:32
